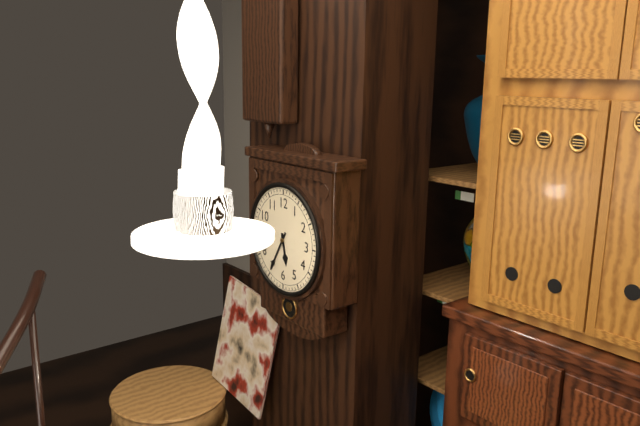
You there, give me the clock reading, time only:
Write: 5:35
